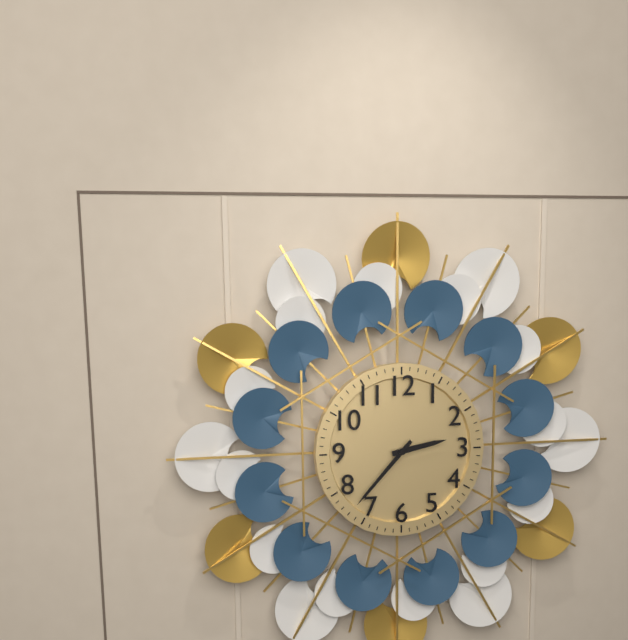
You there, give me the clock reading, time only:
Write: 2:37
